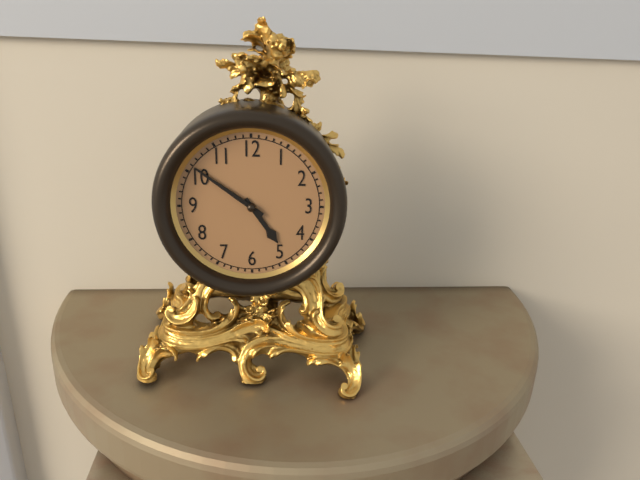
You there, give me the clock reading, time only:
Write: 4:51
